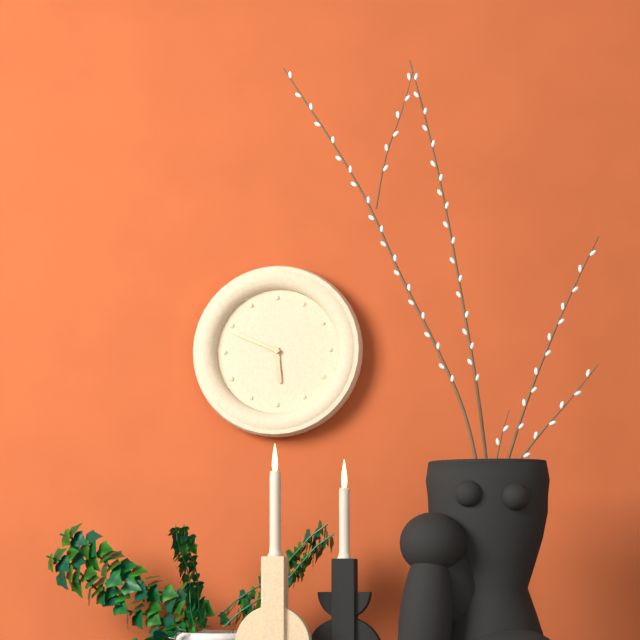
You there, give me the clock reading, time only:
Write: 5:49
